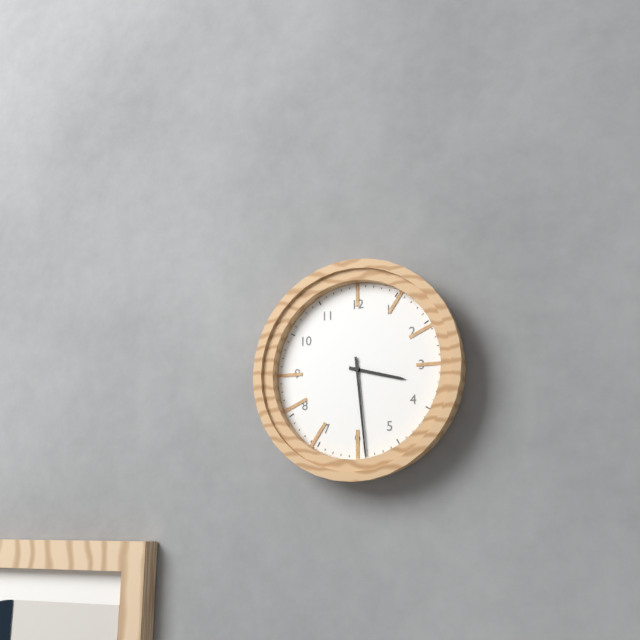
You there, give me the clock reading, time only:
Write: 3:29
